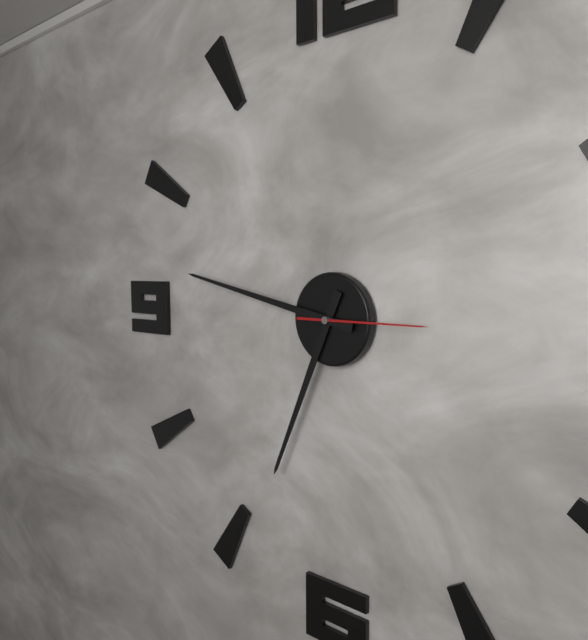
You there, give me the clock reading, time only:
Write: 6:47:15
